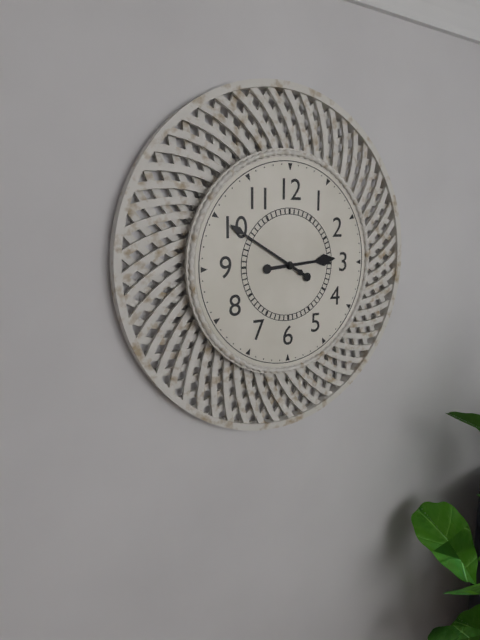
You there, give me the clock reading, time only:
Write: 2:50
